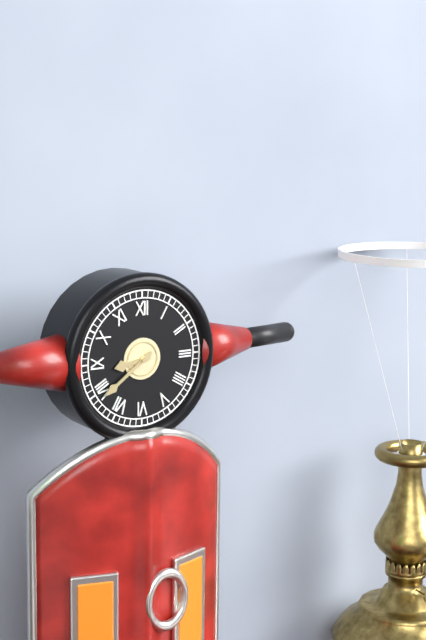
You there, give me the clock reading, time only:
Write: 8:39
